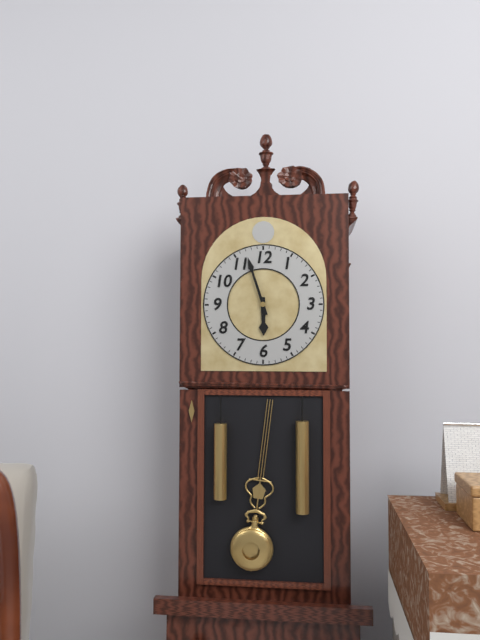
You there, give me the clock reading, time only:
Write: 5:57
